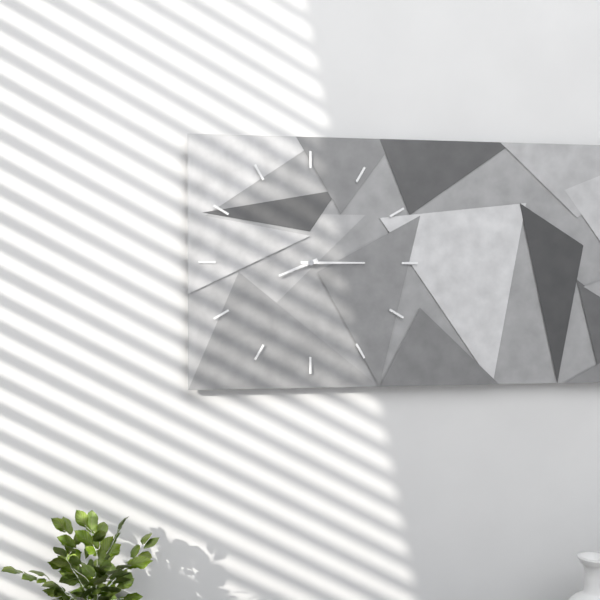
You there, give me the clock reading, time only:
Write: 8:15
